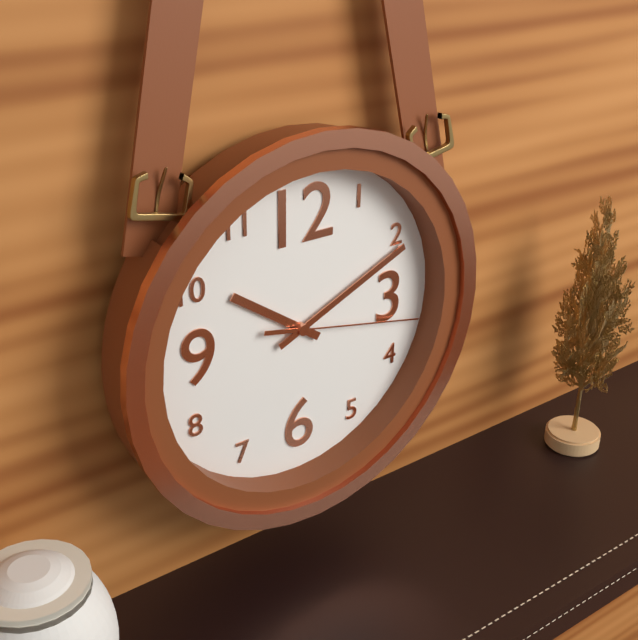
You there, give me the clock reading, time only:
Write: 10:11:17
